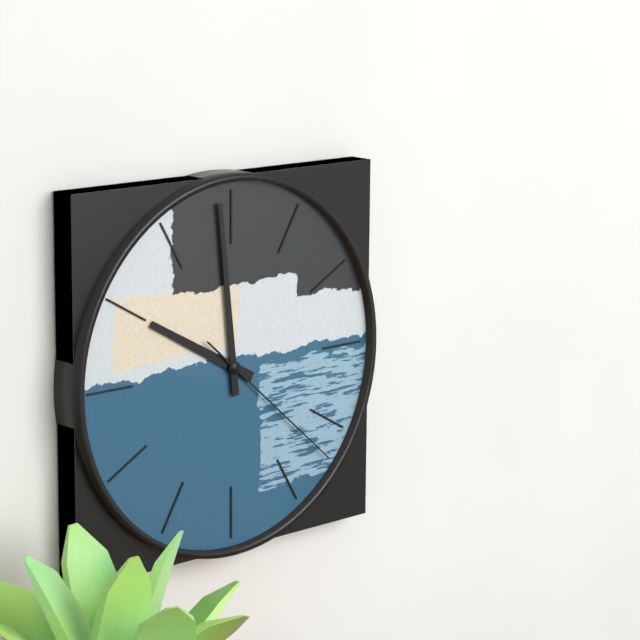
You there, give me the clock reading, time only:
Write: 9:59:22
